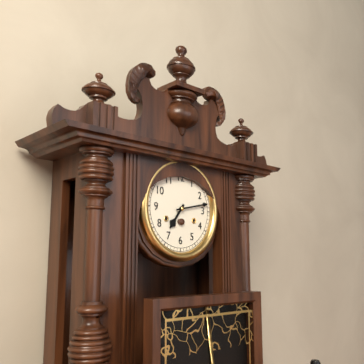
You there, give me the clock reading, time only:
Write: 7:13
